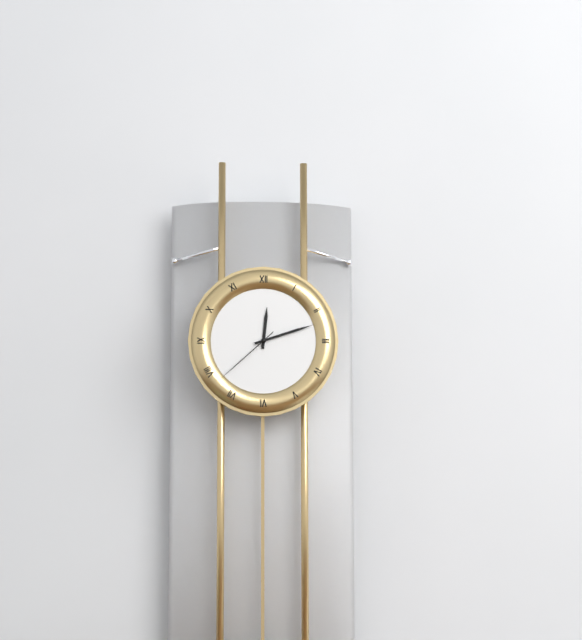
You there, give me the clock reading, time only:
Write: 12:12:38
